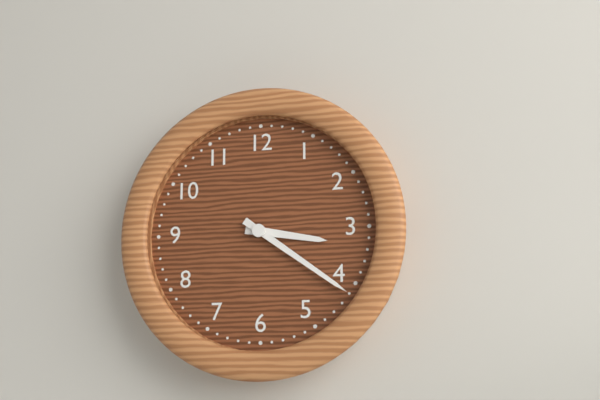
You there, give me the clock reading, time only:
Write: 3:21
